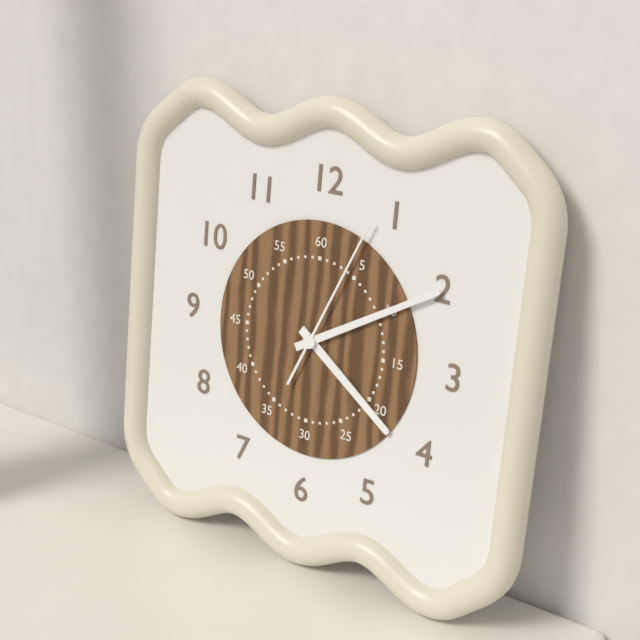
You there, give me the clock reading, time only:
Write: 4:10:04
